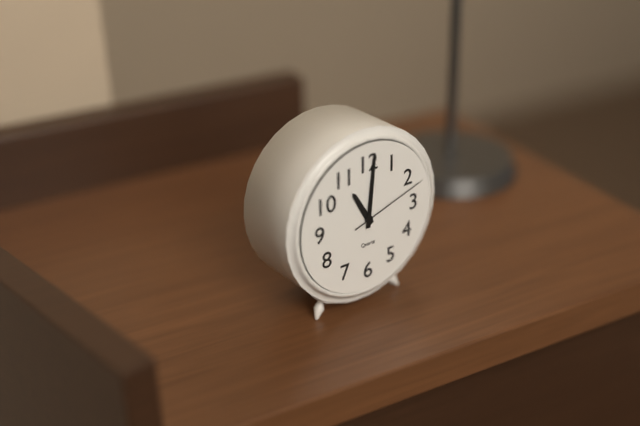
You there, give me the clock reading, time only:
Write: 11:01:12
